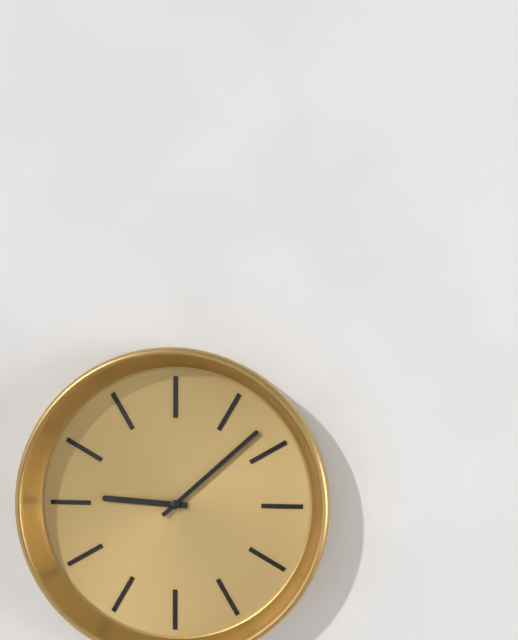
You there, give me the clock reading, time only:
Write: 9:08
